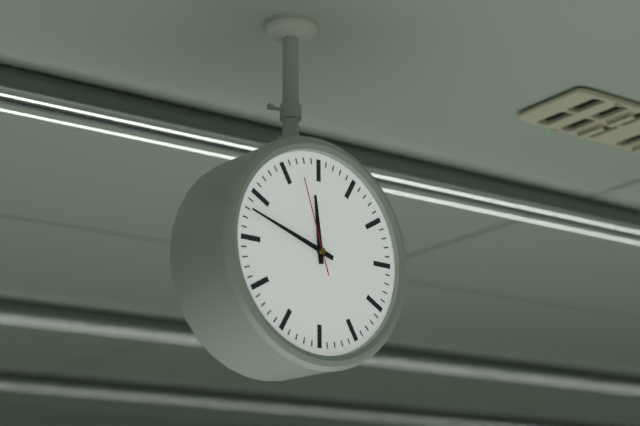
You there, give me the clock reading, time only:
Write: 11:48:57
